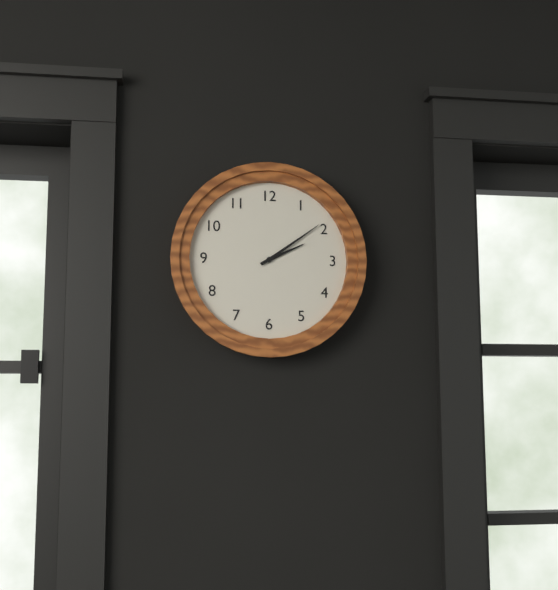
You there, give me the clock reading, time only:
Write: 2:09
